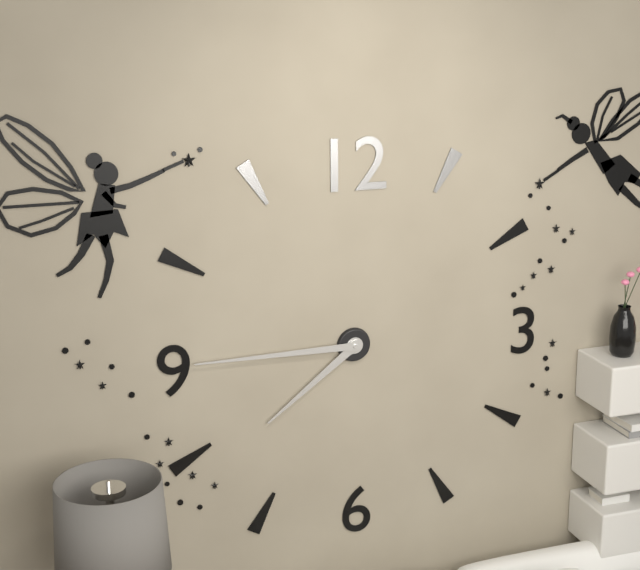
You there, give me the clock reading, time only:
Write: 7:45
